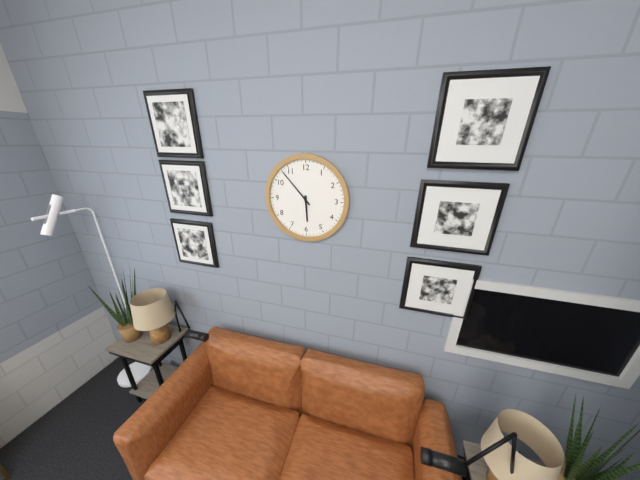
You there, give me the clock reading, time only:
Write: 5:53
